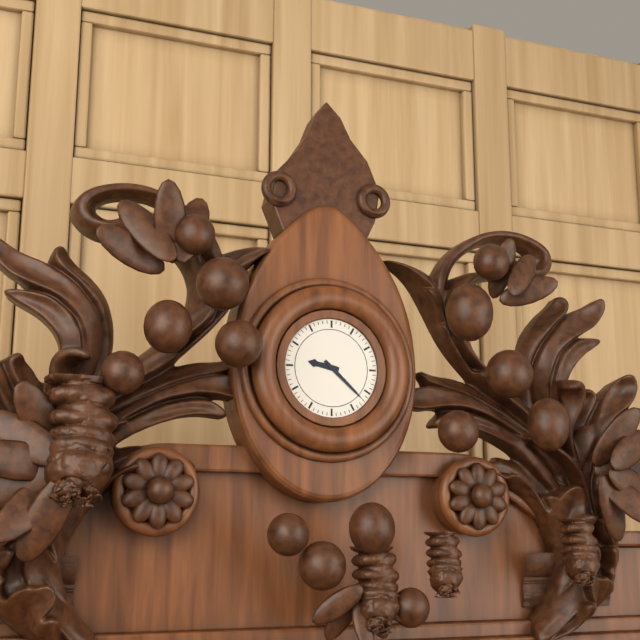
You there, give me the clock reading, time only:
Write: 9:22
